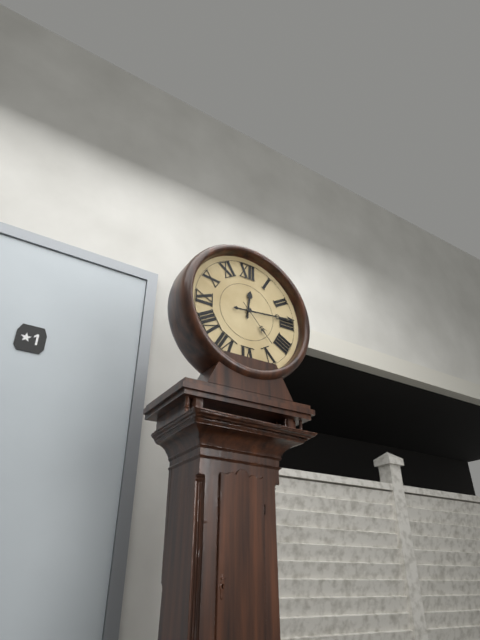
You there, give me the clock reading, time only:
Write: 12:14:23
